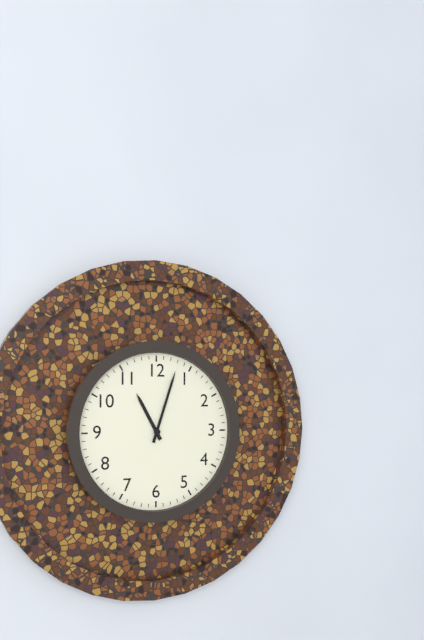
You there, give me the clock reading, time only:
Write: 11:03
